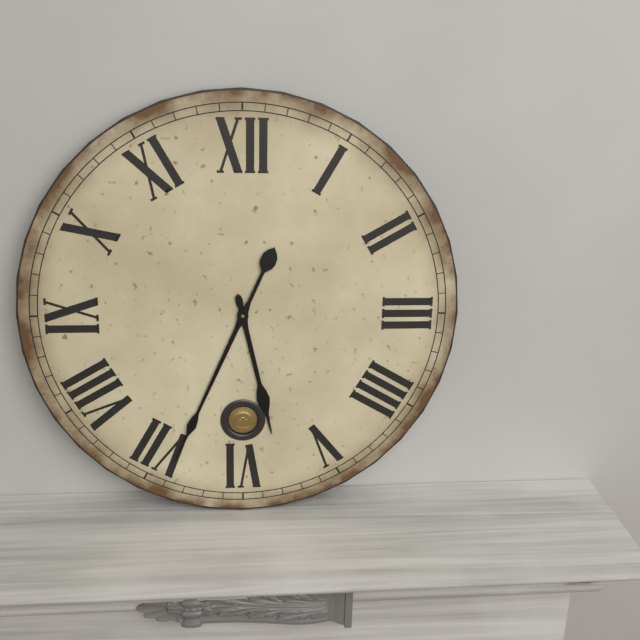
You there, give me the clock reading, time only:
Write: 5:34
